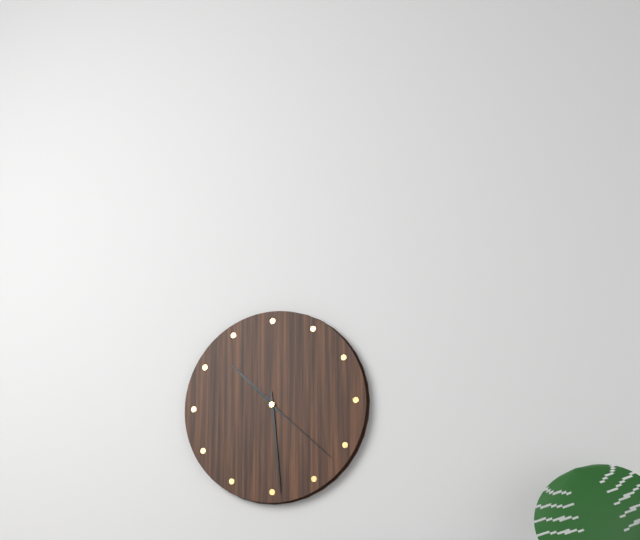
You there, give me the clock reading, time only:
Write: 10:29:22
